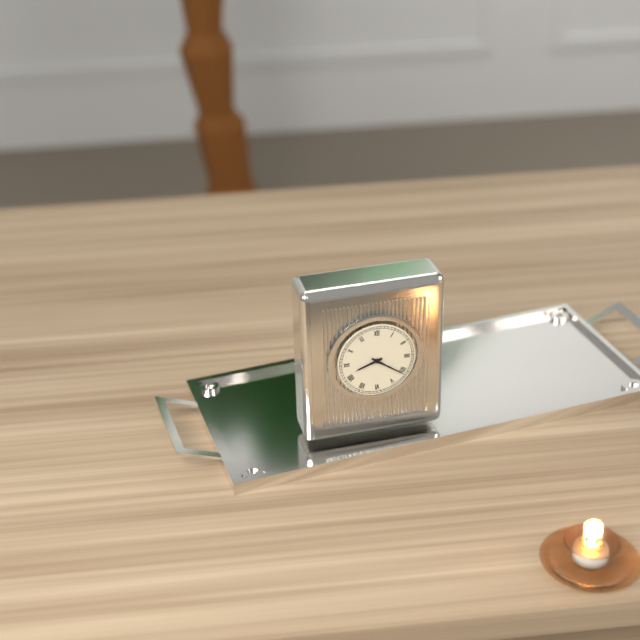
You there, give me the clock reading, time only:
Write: 8:21
